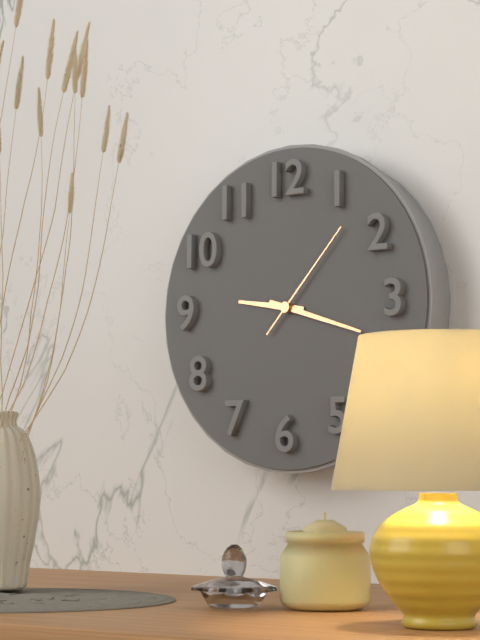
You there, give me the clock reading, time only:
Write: 9:18:07
